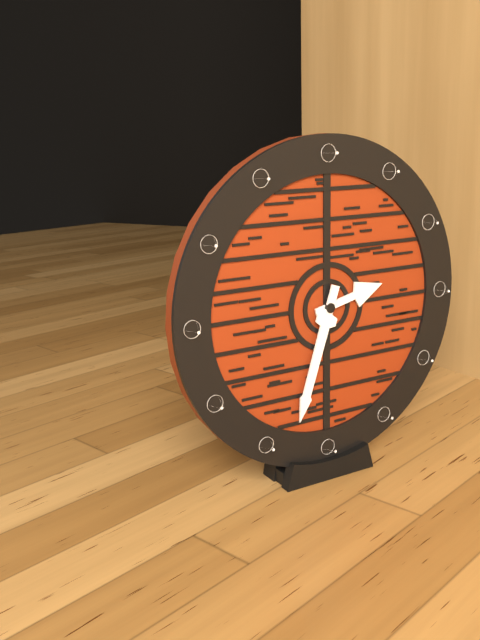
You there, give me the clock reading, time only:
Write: 2:33
